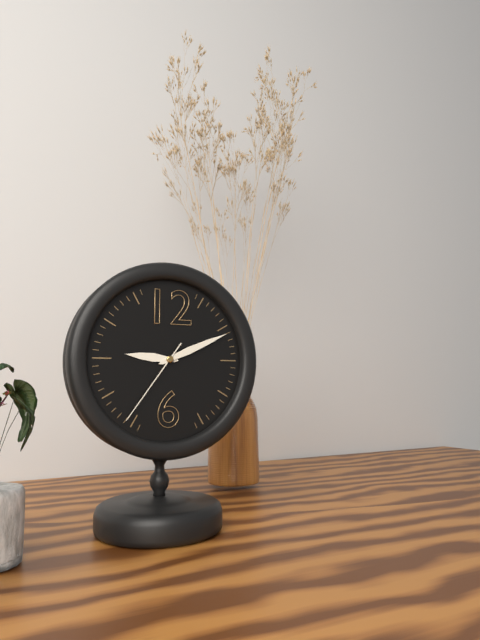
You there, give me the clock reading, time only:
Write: 9:11:36
